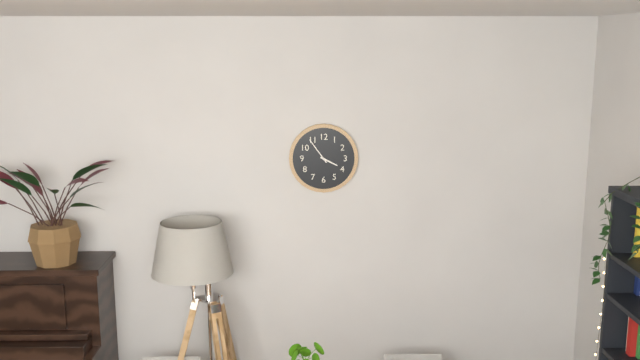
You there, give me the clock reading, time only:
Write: 3:54
